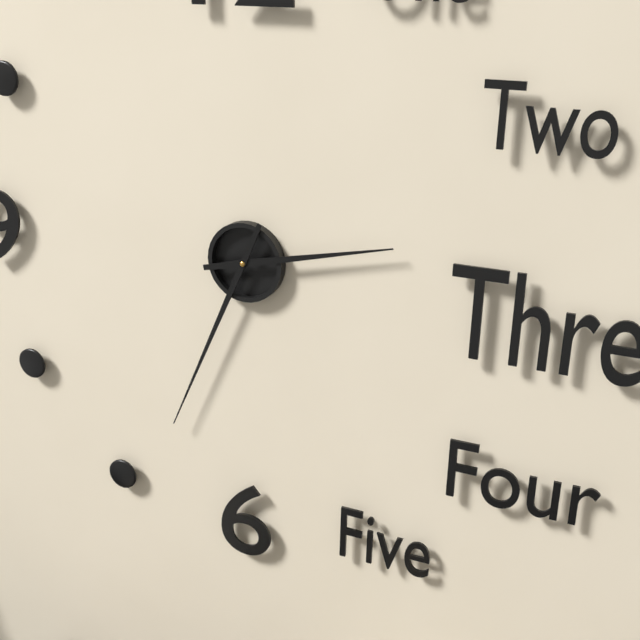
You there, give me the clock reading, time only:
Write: 2:34
